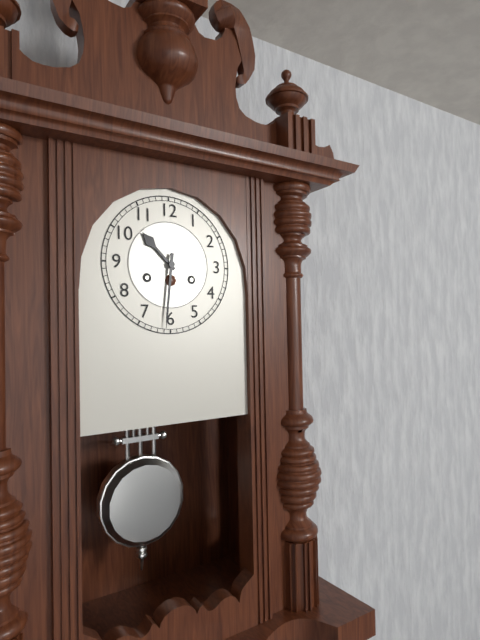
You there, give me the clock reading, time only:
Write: 10:31
